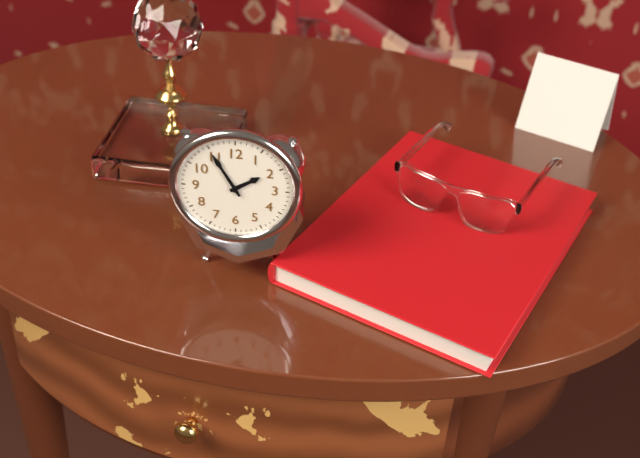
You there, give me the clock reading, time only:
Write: 1:55
